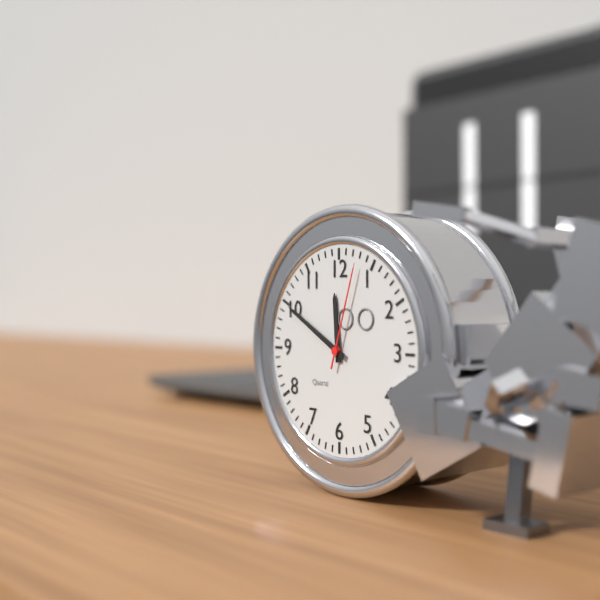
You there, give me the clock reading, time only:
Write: 11:50:03
